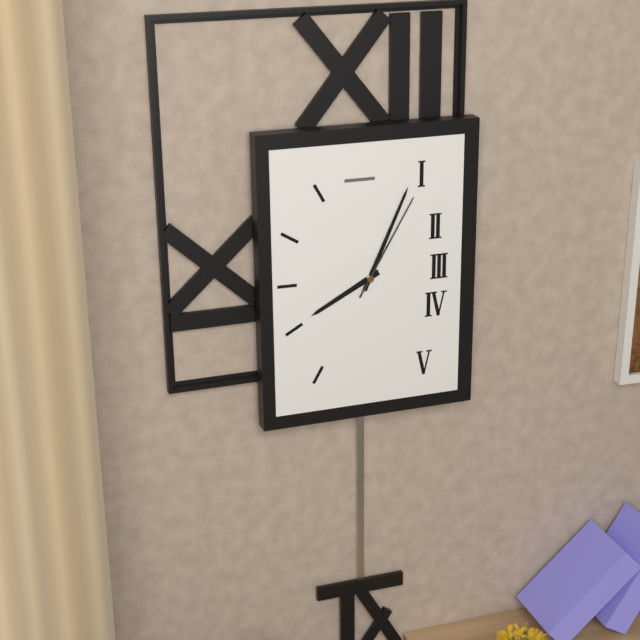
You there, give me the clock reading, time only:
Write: 8:04:05
